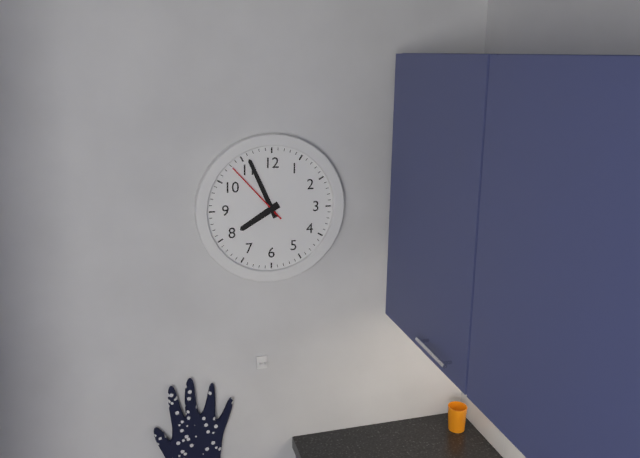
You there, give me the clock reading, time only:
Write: 7:56:53
